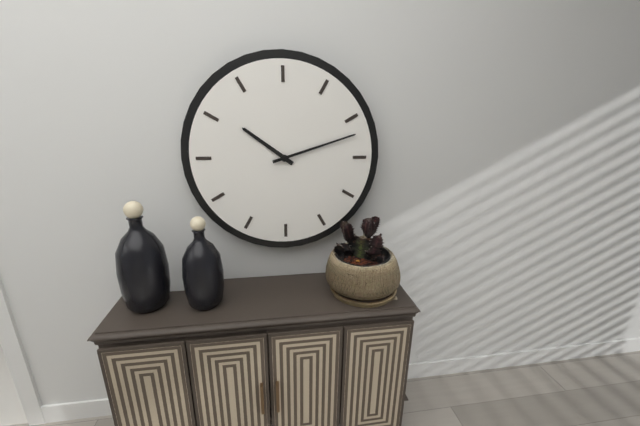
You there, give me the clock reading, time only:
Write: 10:12
